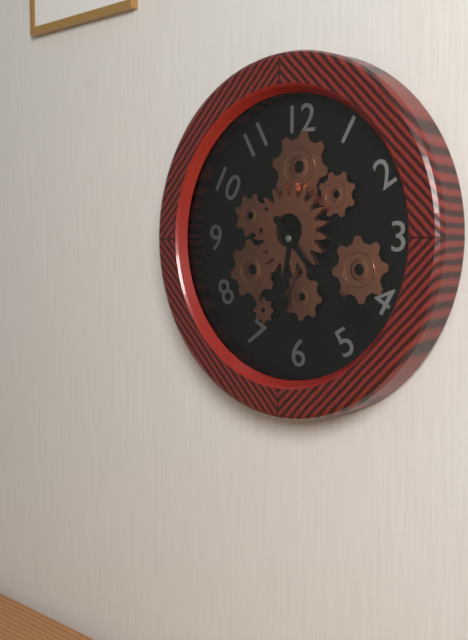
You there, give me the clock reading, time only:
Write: 6:23
